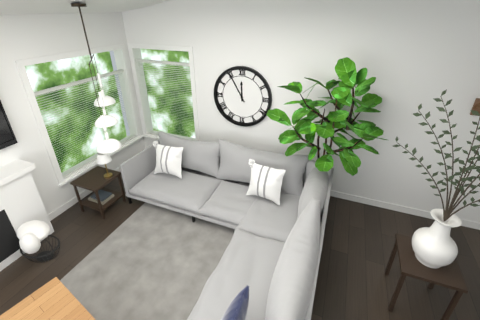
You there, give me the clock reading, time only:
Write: 11:55
